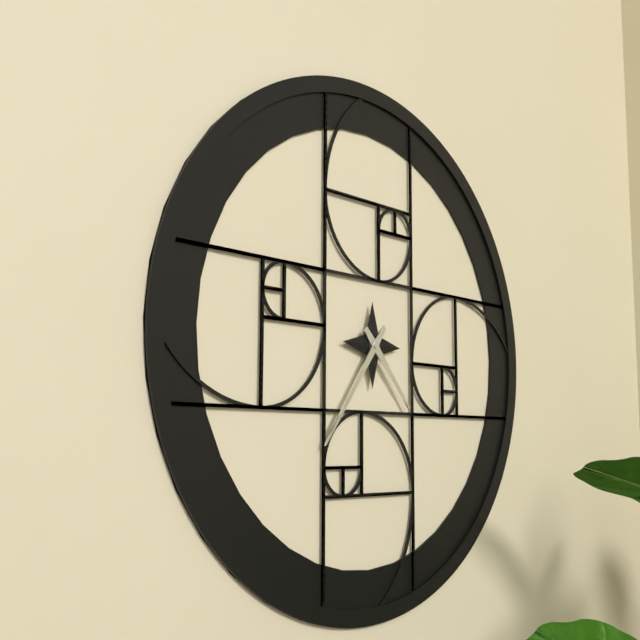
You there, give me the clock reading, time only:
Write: 4:36
